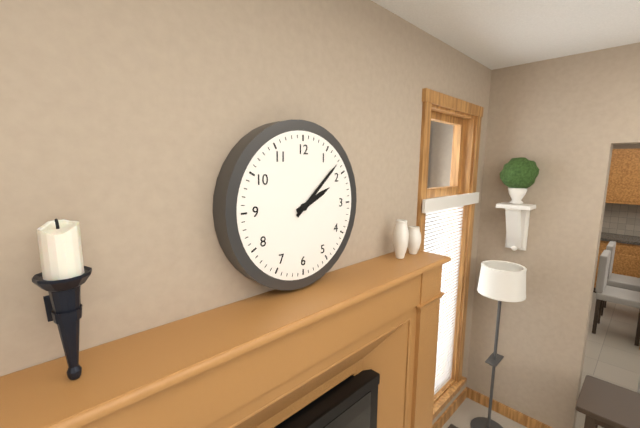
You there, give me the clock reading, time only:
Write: 2:08
